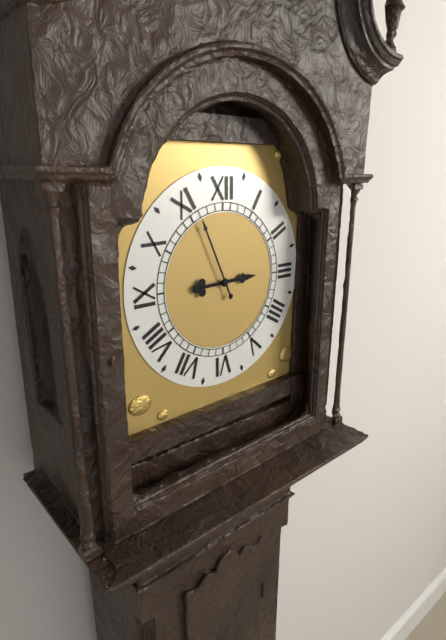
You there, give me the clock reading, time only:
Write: 2:56
